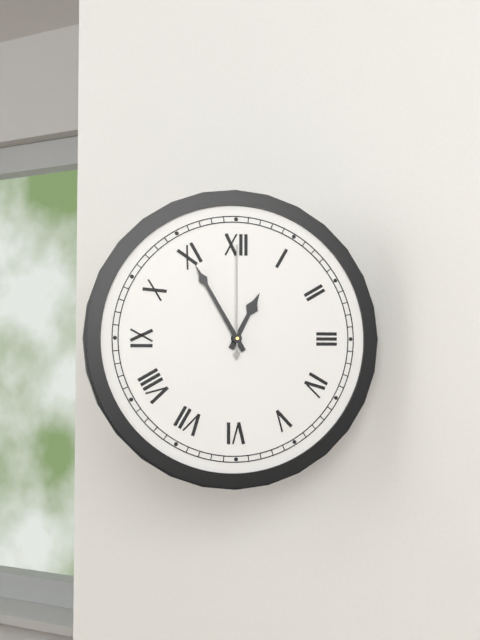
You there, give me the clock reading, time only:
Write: 12:55:00
